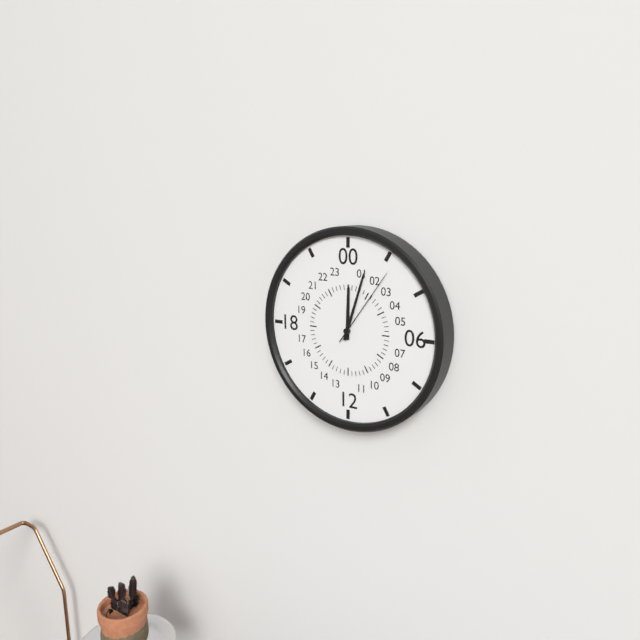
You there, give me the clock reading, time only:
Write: 12:03:06
